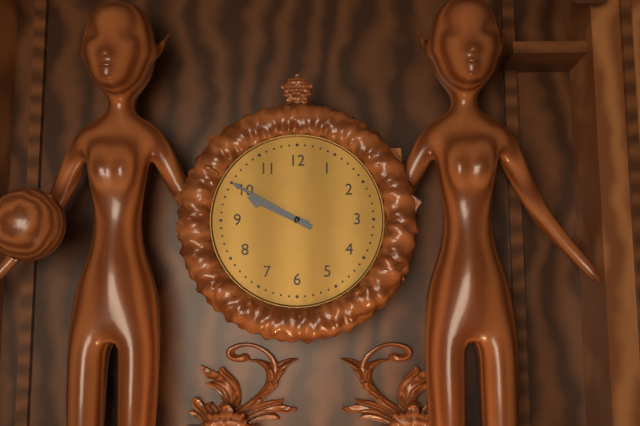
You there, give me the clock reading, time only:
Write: 9:50
